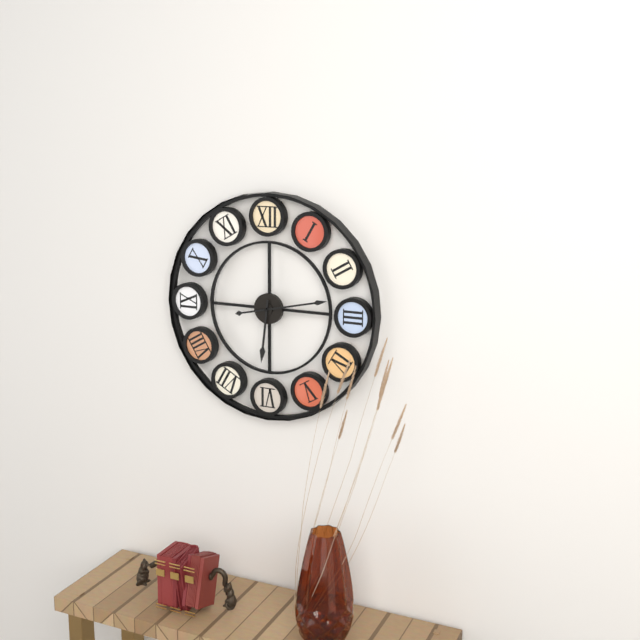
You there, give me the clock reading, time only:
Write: 6:13
